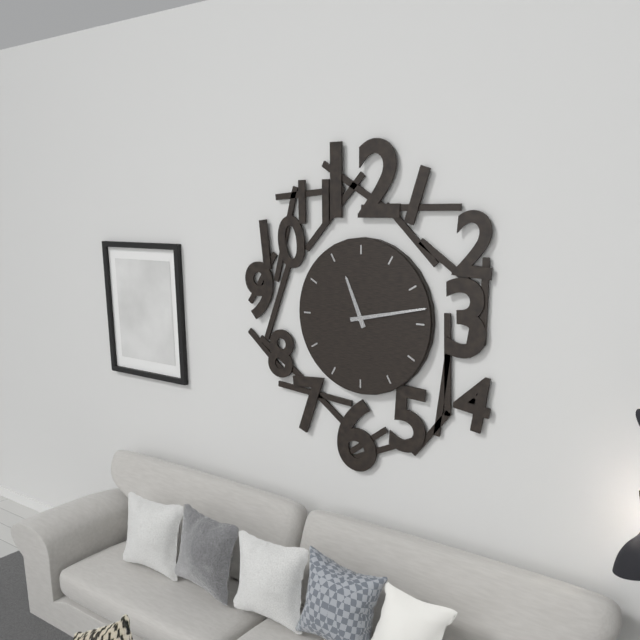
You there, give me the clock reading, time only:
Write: 11:13
